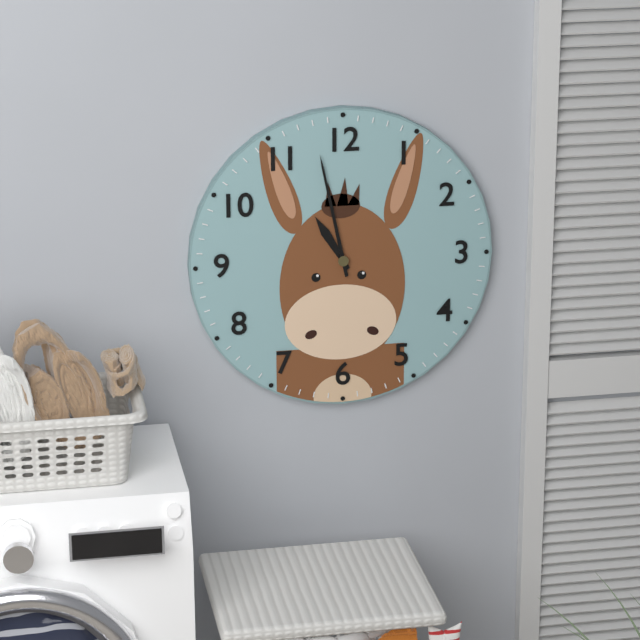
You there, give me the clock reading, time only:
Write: 10:58
